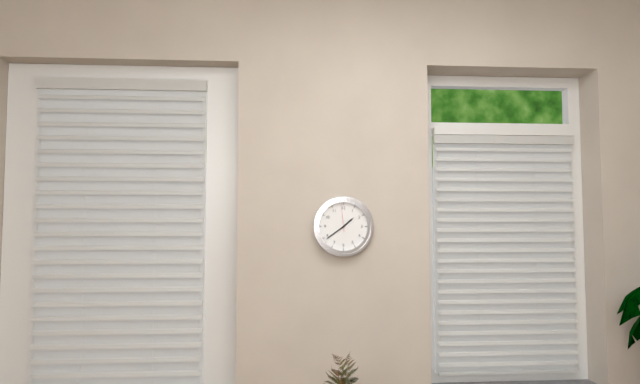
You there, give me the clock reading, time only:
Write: 1:39
